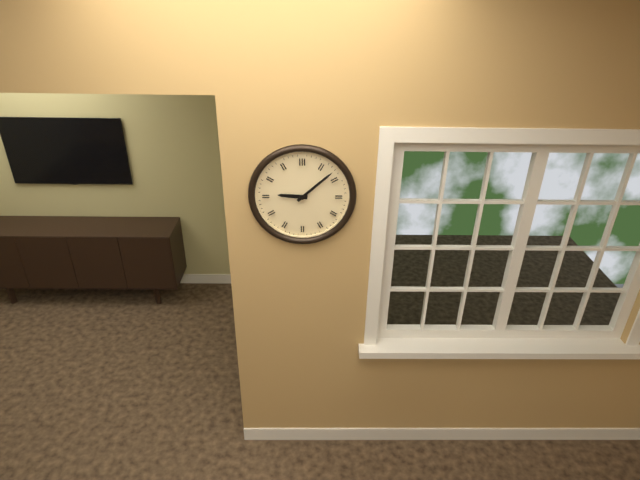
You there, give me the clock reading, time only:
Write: 9:08
